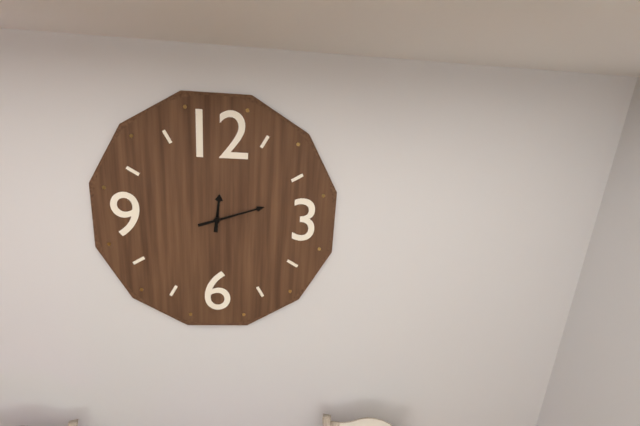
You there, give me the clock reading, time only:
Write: 12:12
